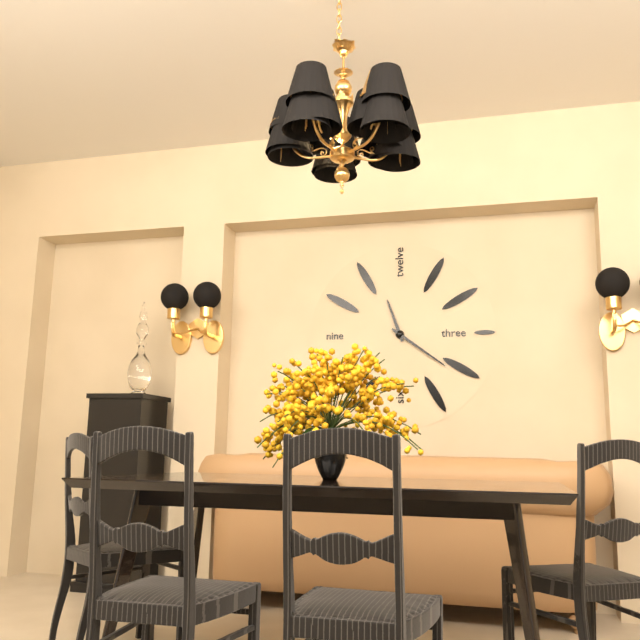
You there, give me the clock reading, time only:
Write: 11:21
